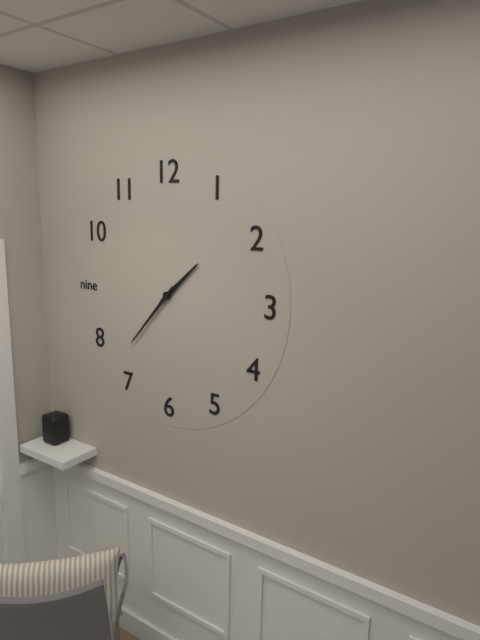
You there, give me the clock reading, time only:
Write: 1:37
